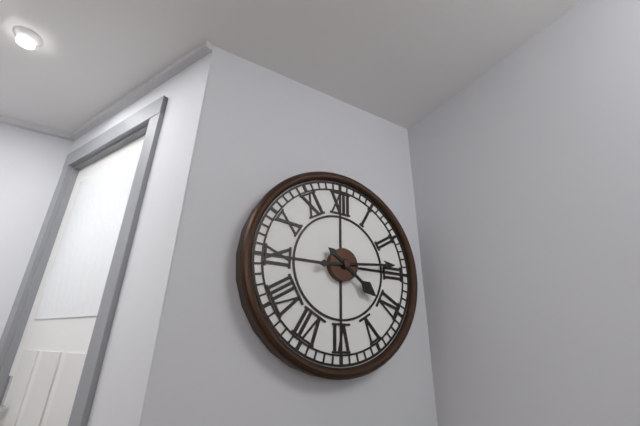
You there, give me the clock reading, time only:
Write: 4:14
